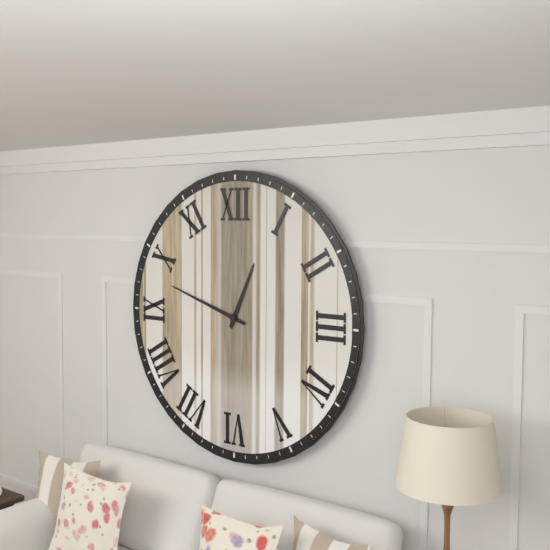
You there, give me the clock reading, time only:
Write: 12:48
